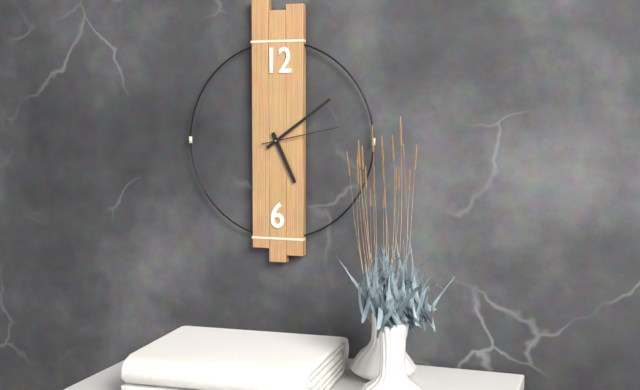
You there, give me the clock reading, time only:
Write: 5:09:13
